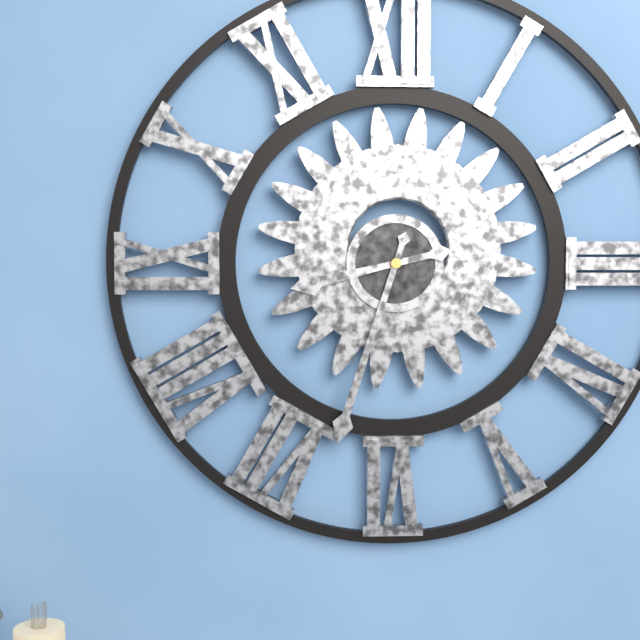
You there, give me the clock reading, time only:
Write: 8:33
